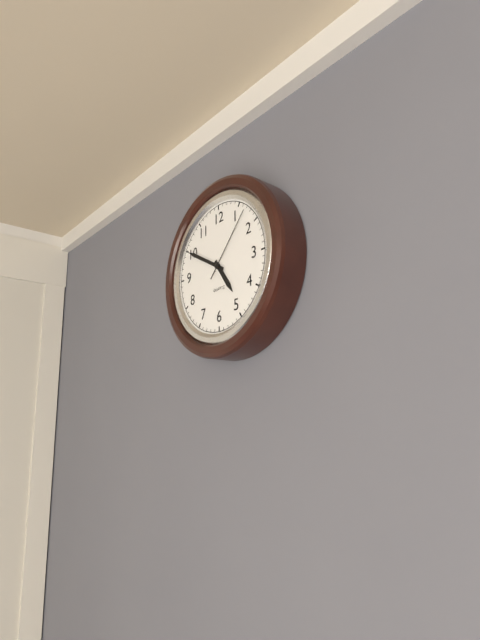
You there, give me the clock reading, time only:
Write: 4:50:07
